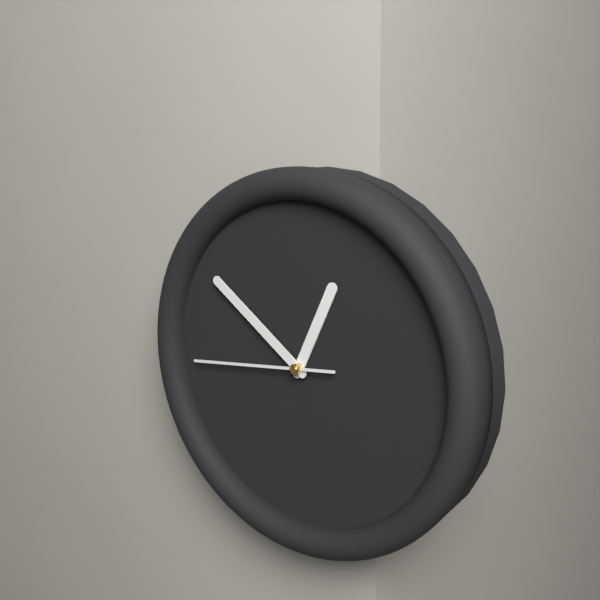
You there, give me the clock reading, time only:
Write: 12:51:44
